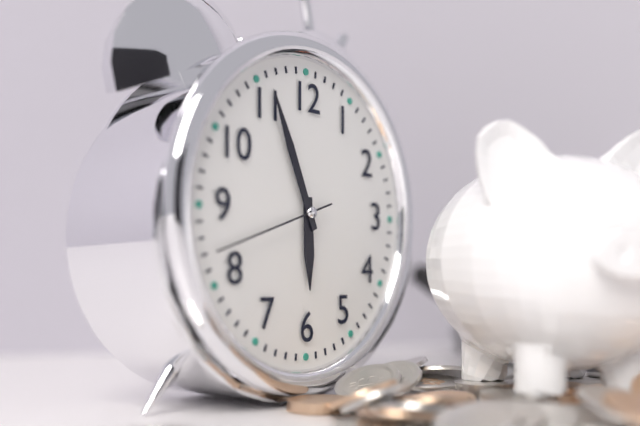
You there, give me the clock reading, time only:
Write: 5:56:42
